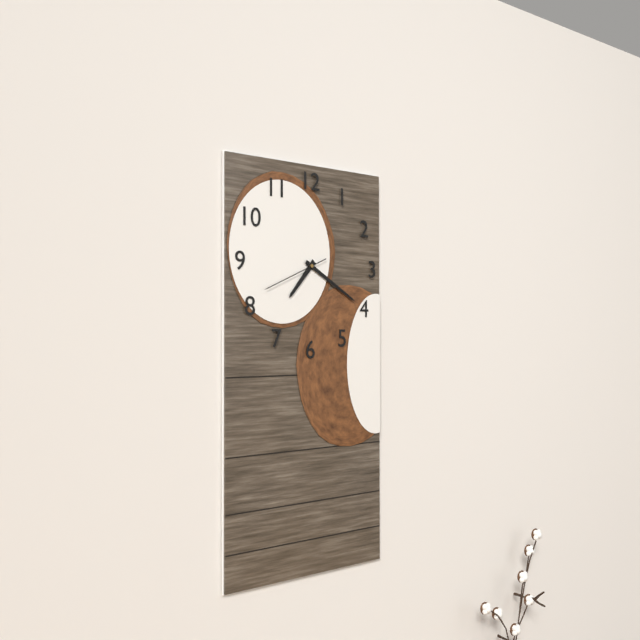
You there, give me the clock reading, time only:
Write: 7:20:41
